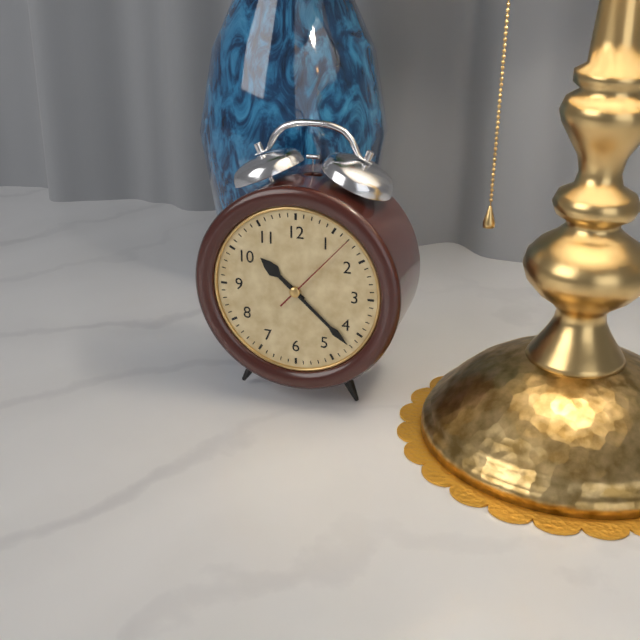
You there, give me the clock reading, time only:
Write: 10:22:07
